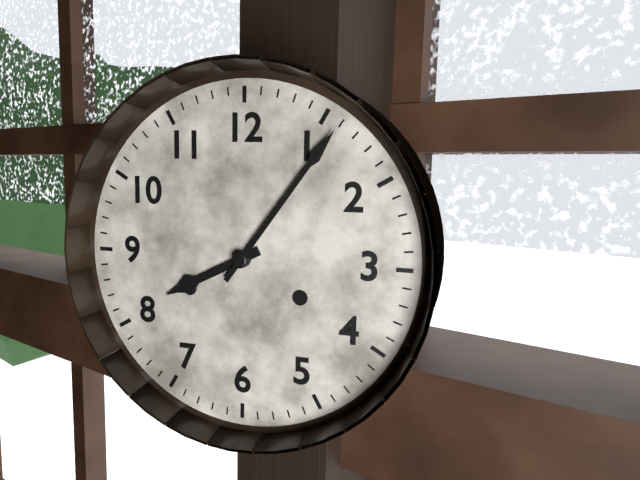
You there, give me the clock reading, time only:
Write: 8:06
